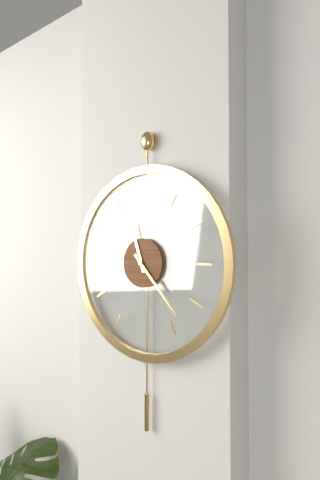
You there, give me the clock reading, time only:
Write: 11:23
